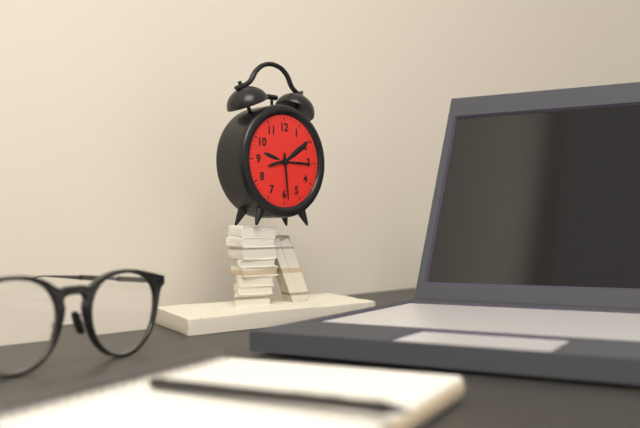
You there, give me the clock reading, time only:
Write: 8:29
